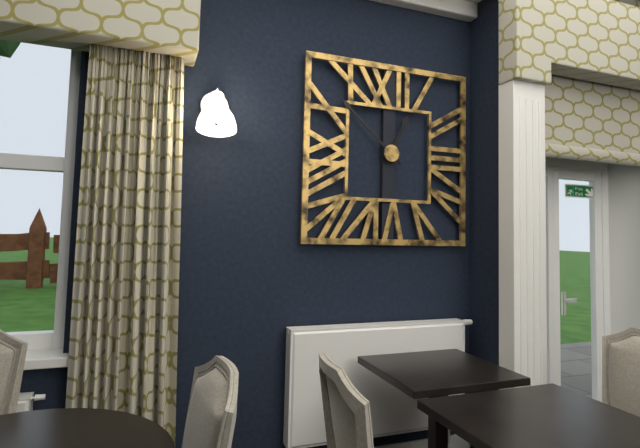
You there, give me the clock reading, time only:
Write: 12:52
